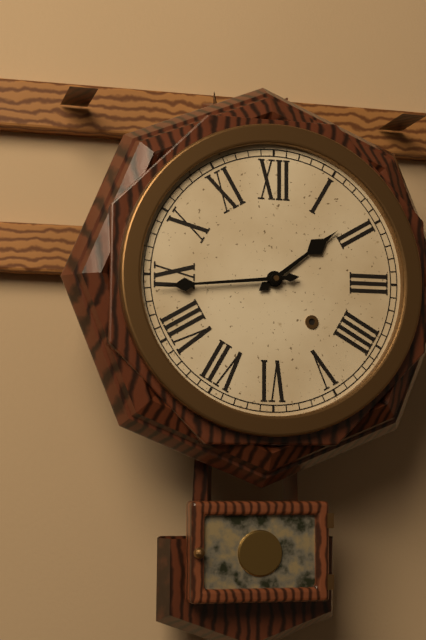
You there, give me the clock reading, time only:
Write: 1:44
